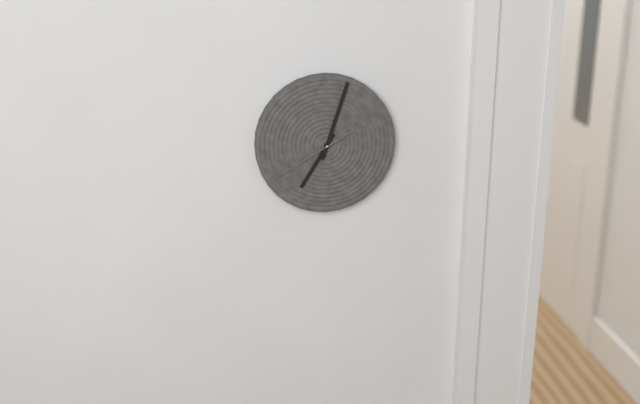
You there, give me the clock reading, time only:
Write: 7:03:40
